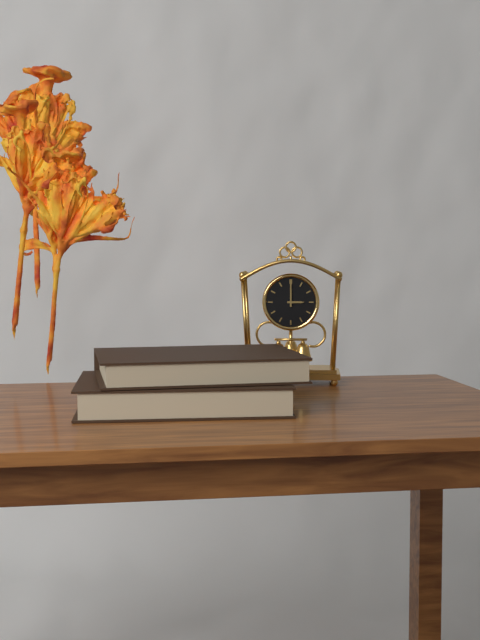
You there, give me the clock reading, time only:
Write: 3:00
